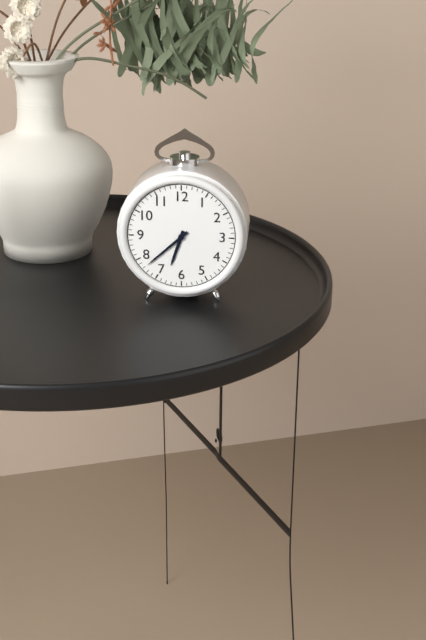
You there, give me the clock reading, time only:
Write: 6:38
